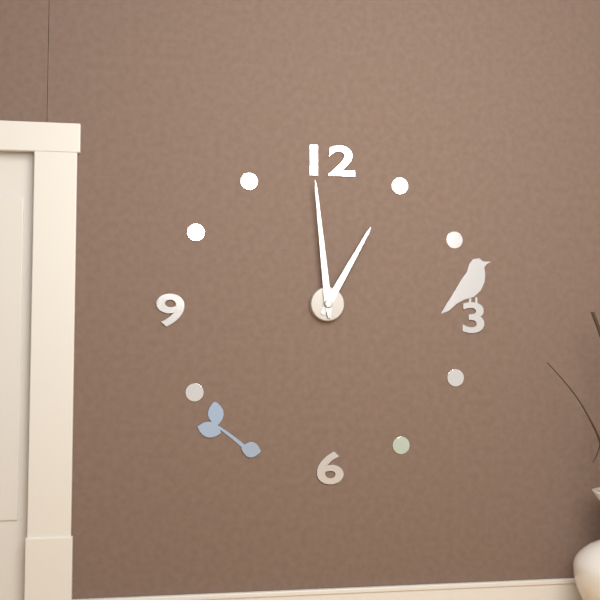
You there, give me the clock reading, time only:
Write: 12:59
